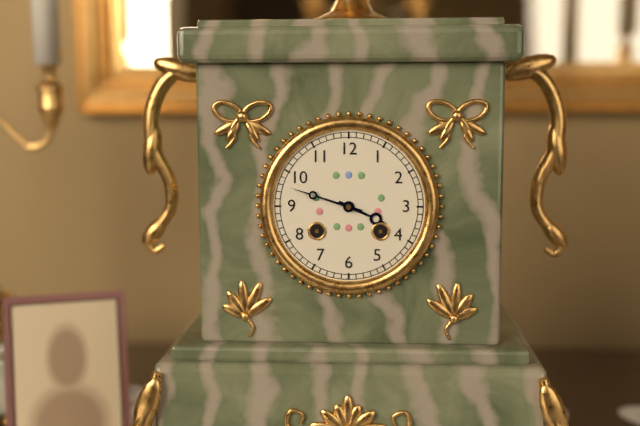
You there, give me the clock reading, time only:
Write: 3:48
